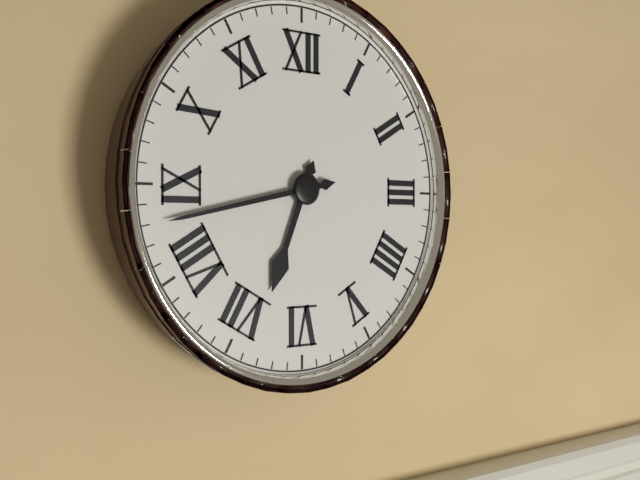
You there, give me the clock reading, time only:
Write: 6:43
